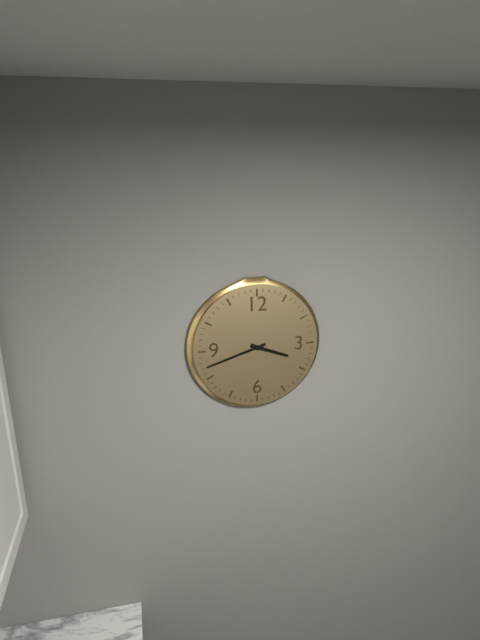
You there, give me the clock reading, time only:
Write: 3:42
